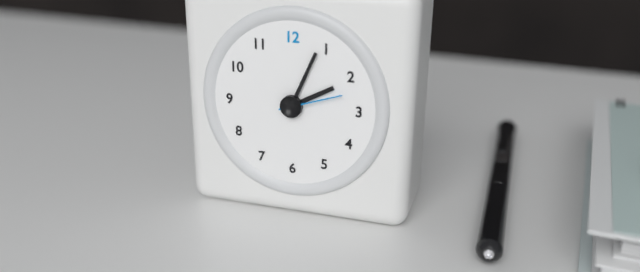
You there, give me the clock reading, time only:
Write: 2:04:12
